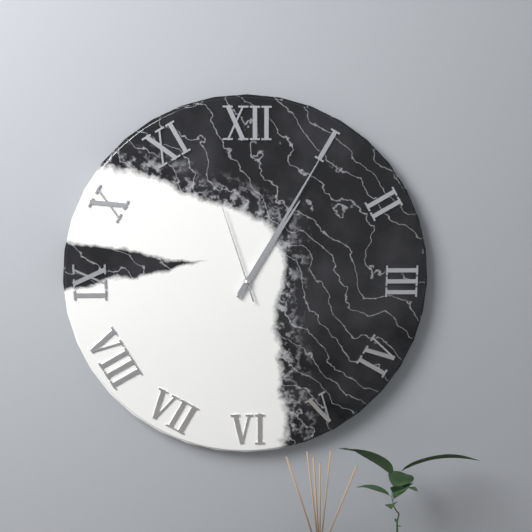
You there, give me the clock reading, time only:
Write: 1:05:57
